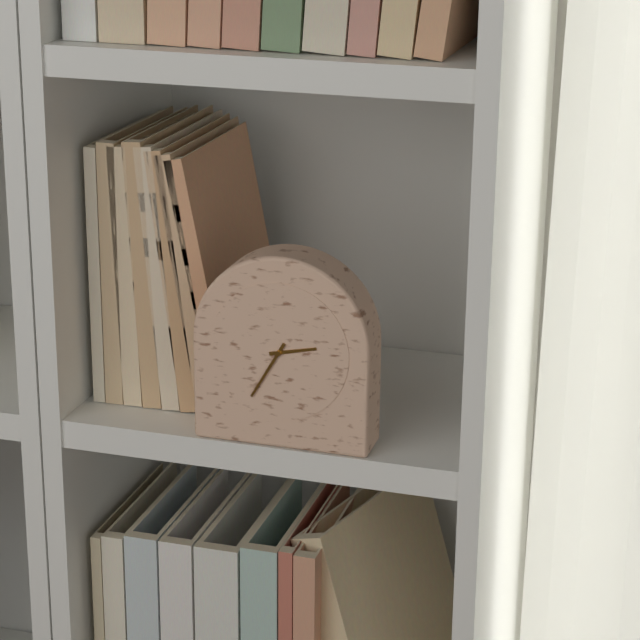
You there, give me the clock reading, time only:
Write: 2:35
